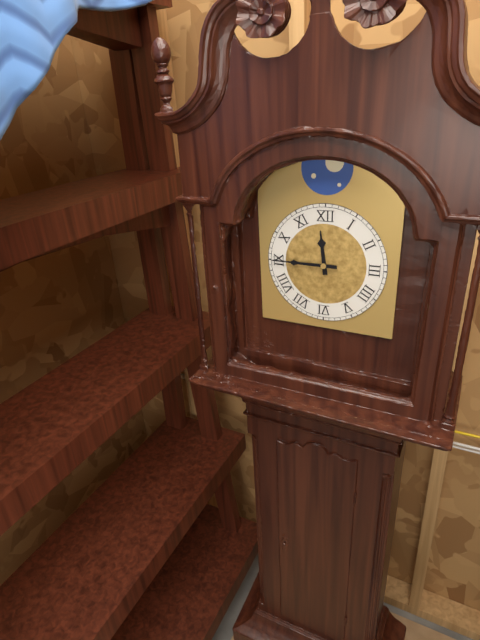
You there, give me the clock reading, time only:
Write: 11:45
